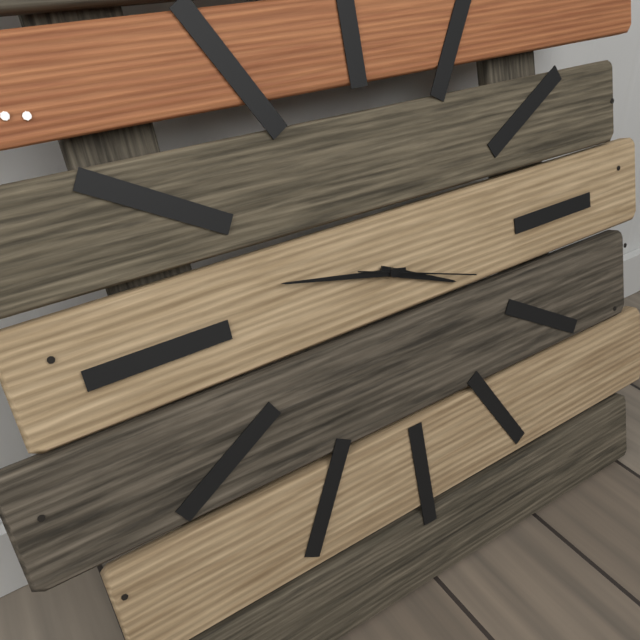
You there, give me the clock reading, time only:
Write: 3:47:18
